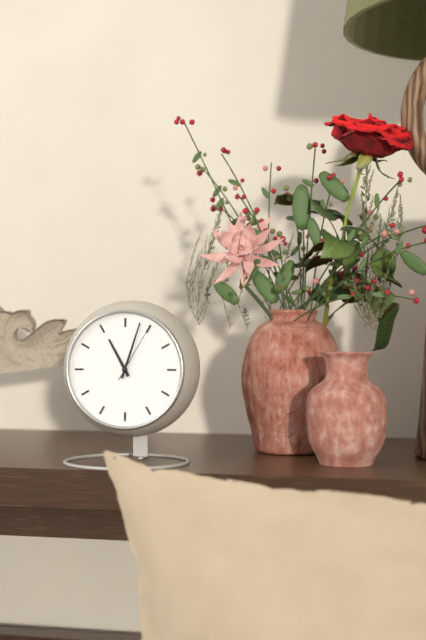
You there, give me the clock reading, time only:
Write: 11:03:05
